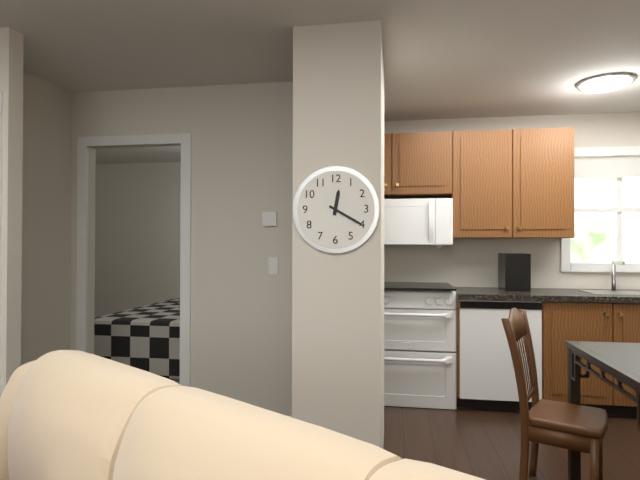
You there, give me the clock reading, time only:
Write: 12:20
